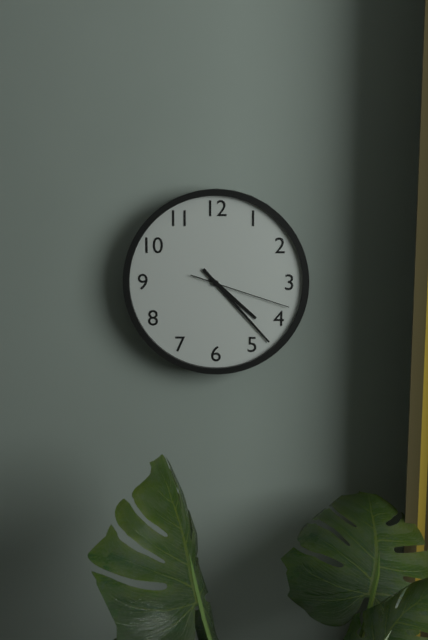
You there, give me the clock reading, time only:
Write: 4:23:18
